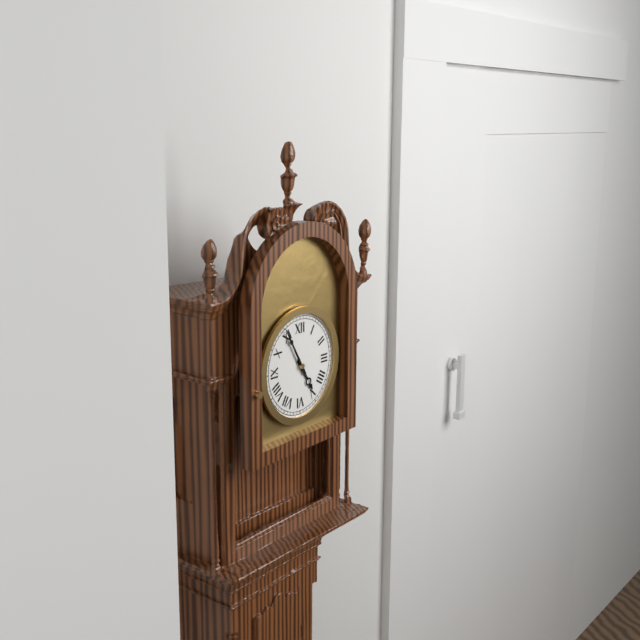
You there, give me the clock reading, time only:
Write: 4:55
